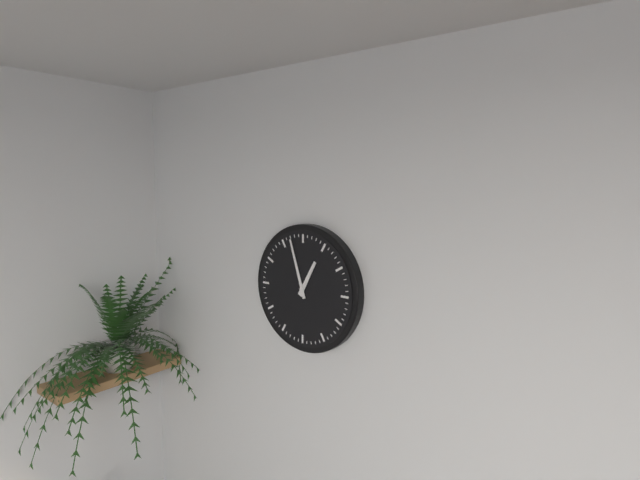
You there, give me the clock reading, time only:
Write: 12:57
